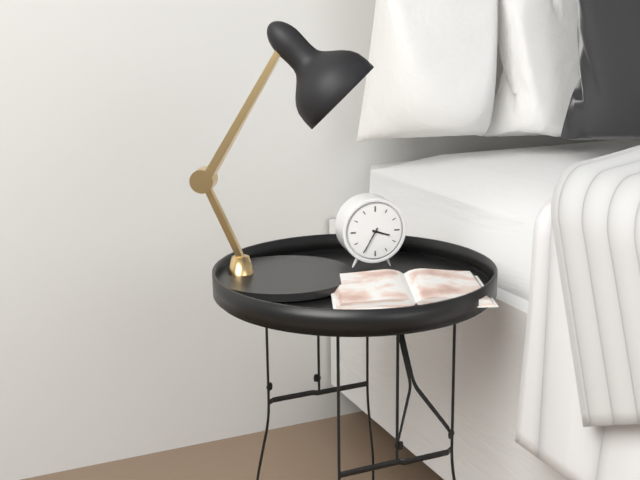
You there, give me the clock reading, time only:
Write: 3:35
